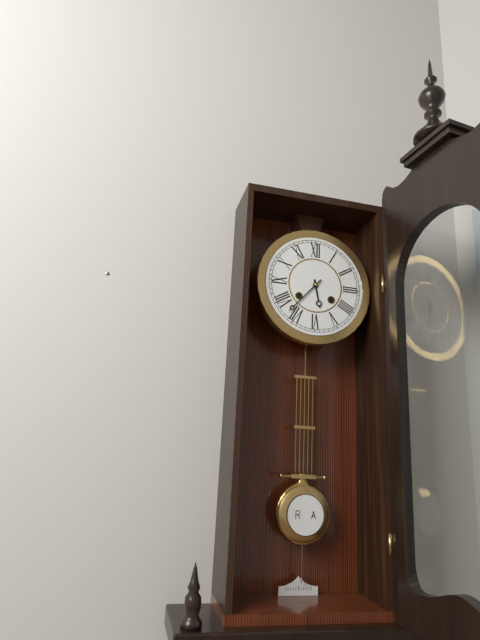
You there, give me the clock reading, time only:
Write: 5:37
